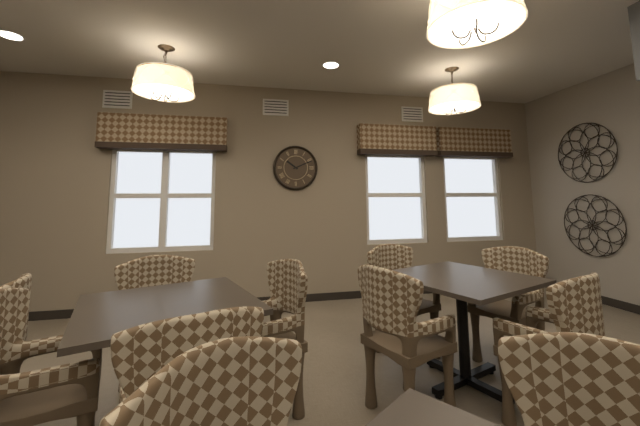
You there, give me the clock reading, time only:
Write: 10:11
